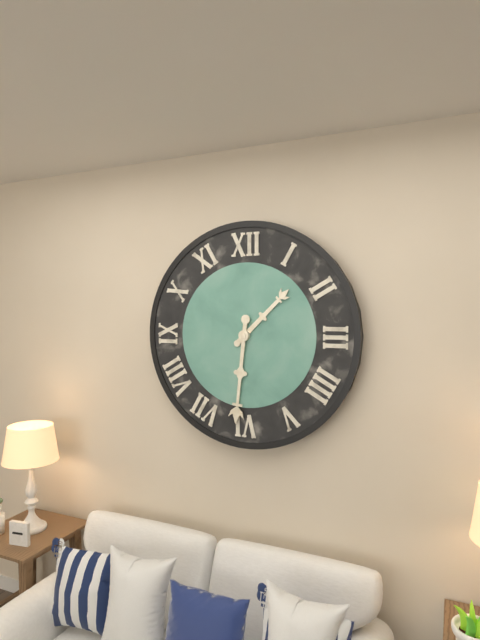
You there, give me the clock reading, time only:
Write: 1:31
